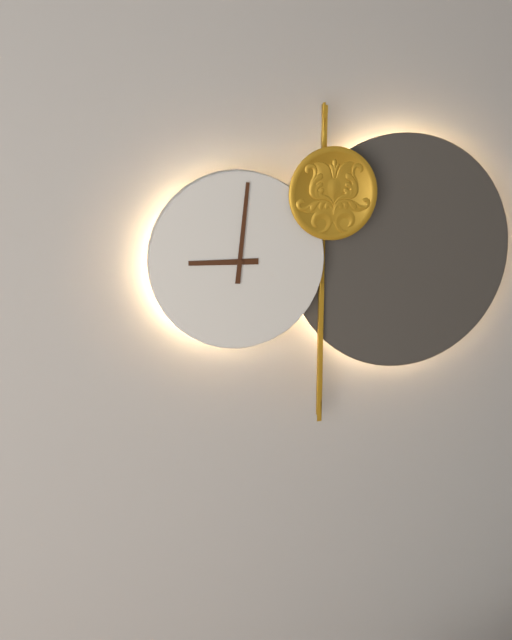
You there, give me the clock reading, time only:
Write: 9:01
